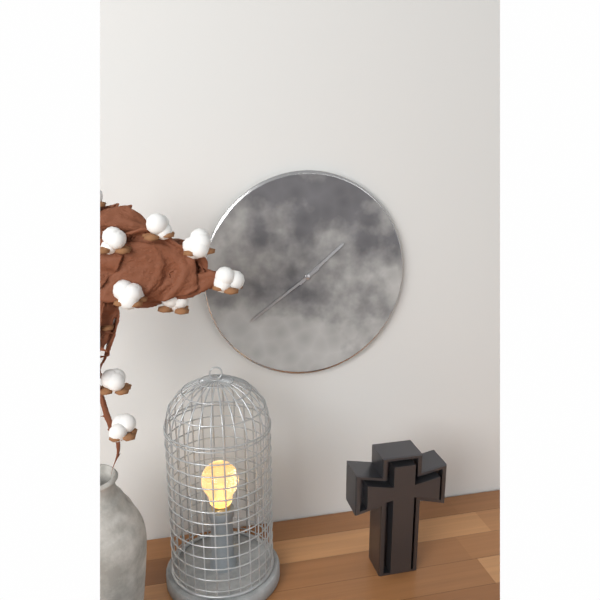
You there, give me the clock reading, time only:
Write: 1:39
